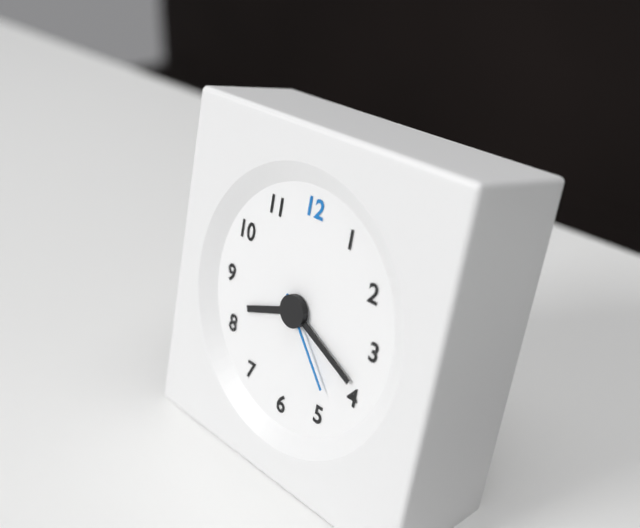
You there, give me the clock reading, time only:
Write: 8:19:23
